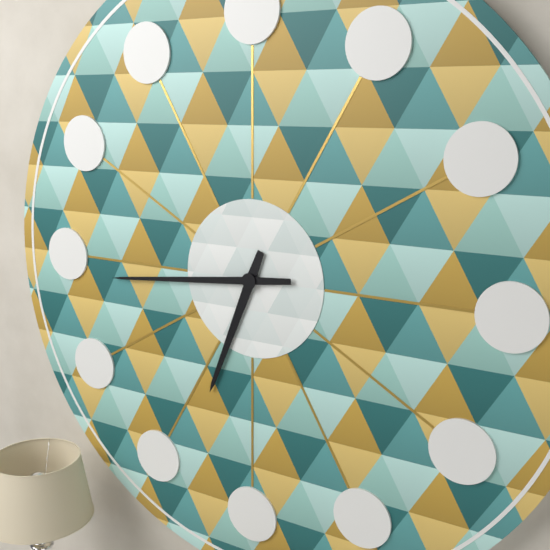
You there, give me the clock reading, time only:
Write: 6:44
